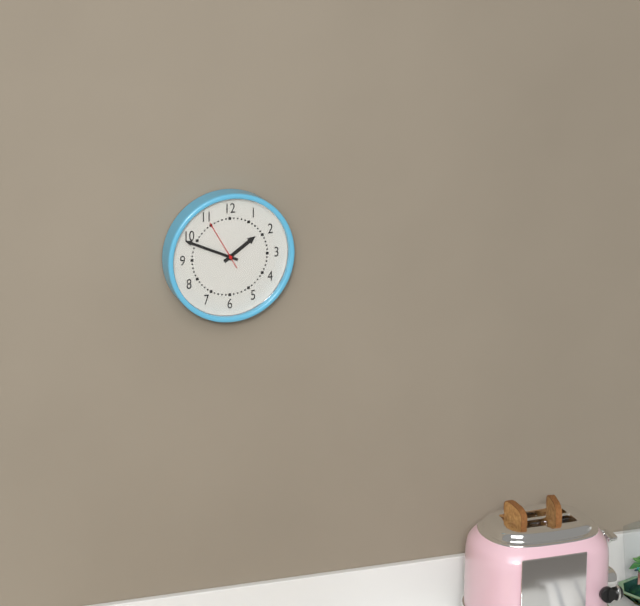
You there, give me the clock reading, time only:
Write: 1:49
